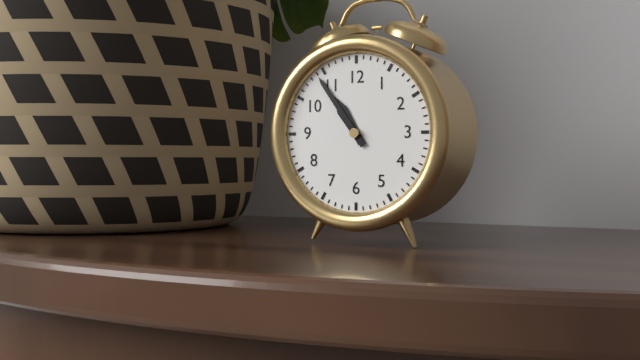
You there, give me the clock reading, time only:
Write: 10:54
